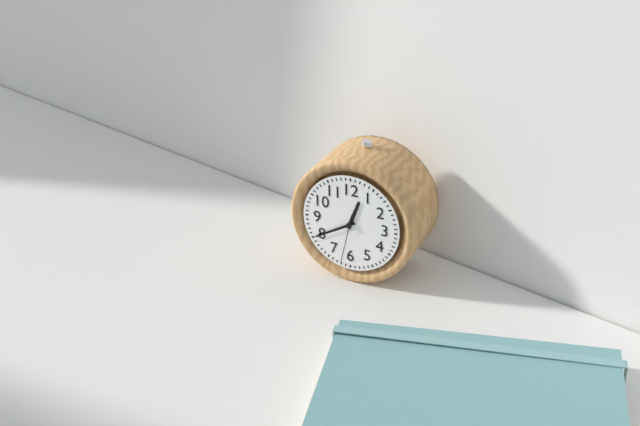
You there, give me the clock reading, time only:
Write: 12:40
